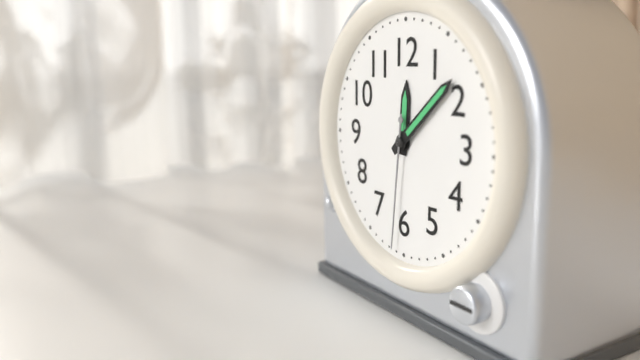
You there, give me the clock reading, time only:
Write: 12:08:31
